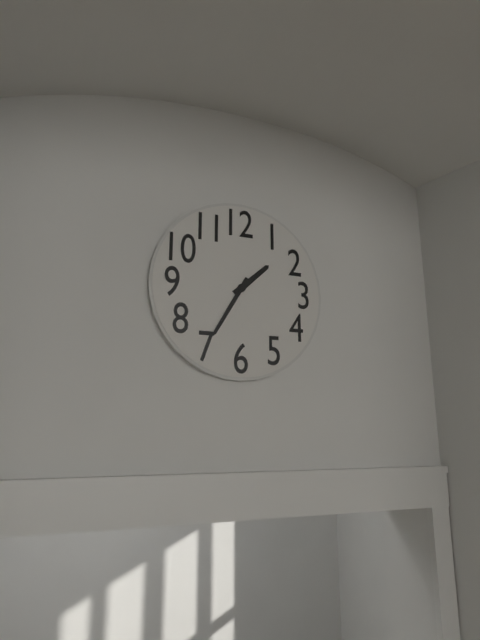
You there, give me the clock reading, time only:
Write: 1:35
